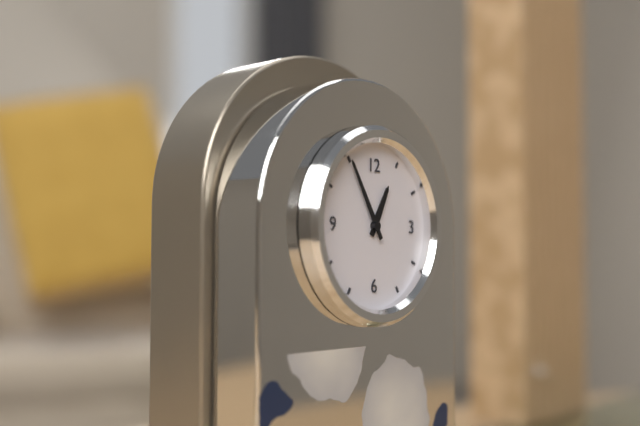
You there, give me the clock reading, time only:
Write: 12:55
